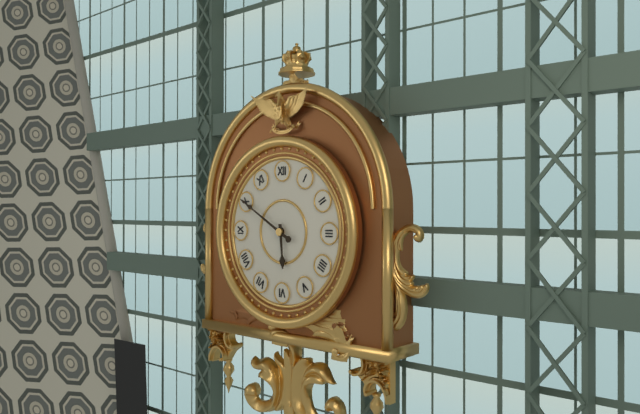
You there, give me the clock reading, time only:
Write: 5:50
